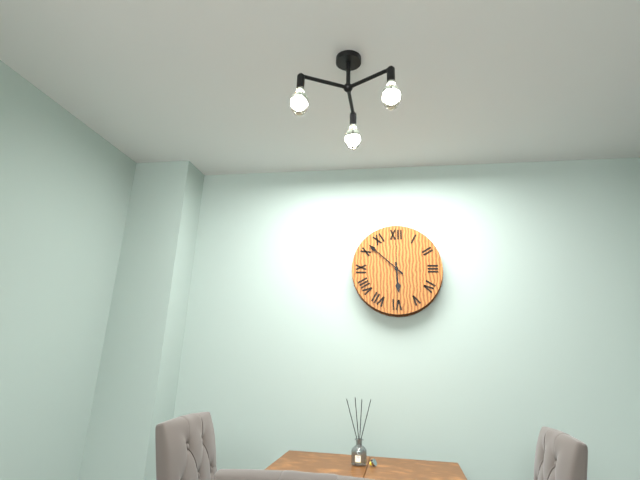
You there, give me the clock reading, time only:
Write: 5:52
